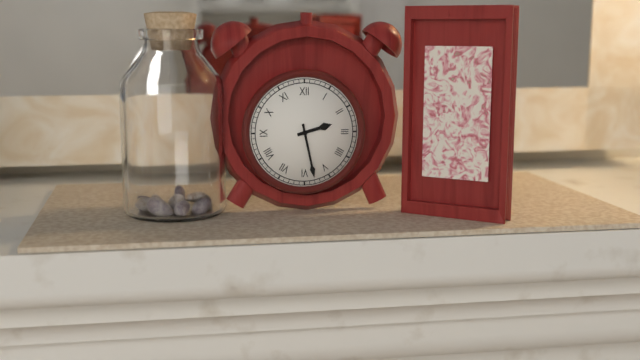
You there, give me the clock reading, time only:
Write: 2:28
